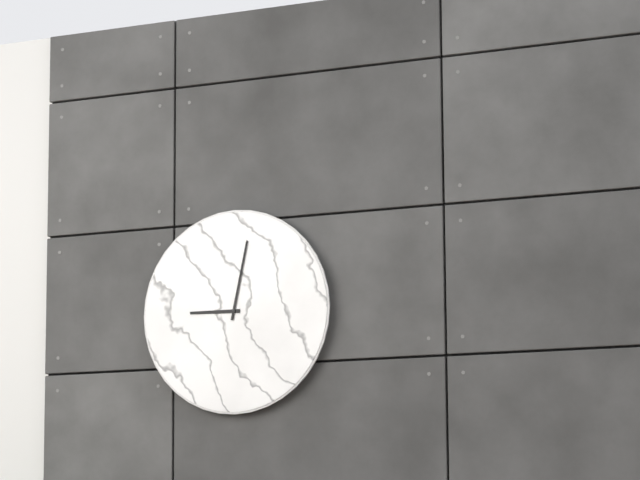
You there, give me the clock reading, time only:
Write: 9:02
